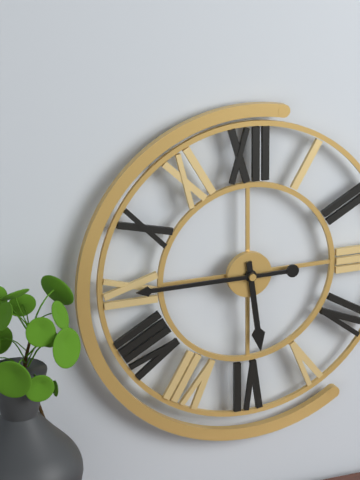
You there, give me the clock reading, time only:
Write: 5:45
